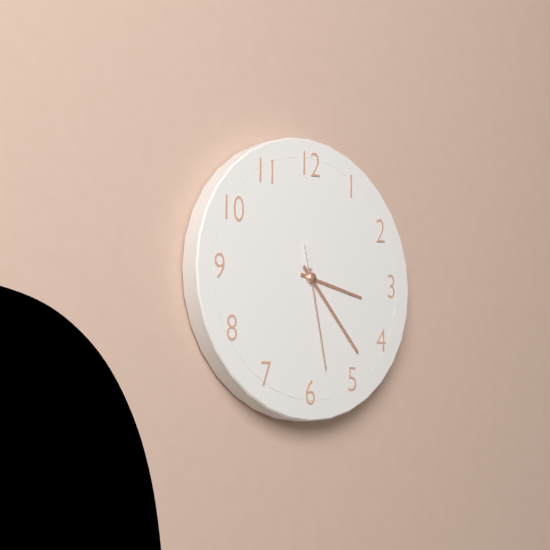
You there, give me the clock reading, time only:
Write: 3:23:28
